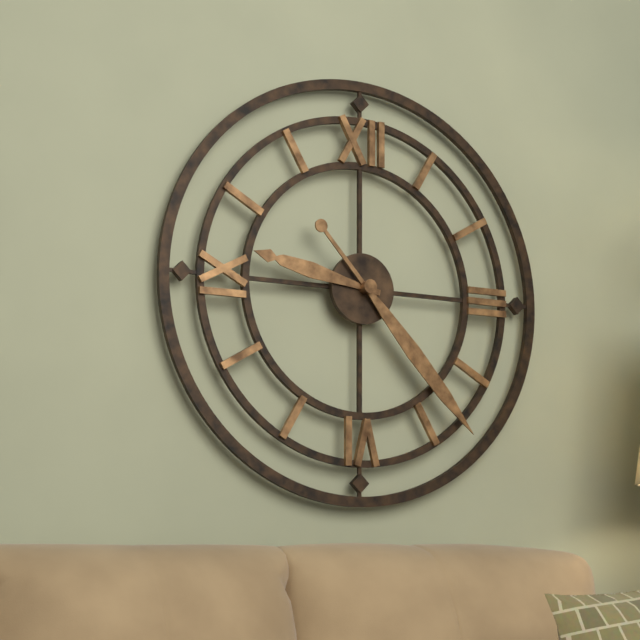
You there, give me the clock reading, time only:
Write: 9:23
